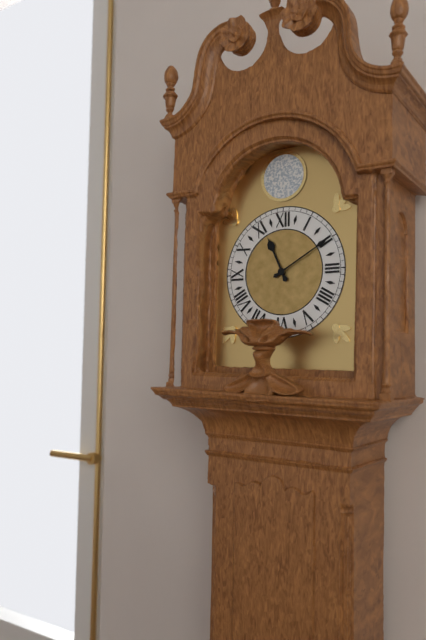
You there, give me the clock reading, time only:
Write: 11:10
